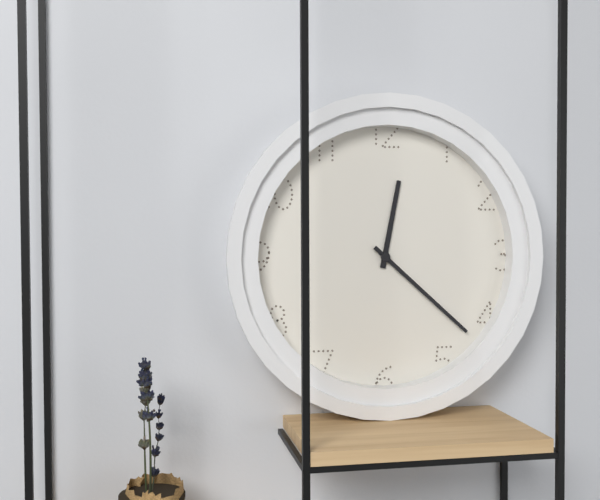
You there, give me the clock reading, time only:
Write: 12:22
